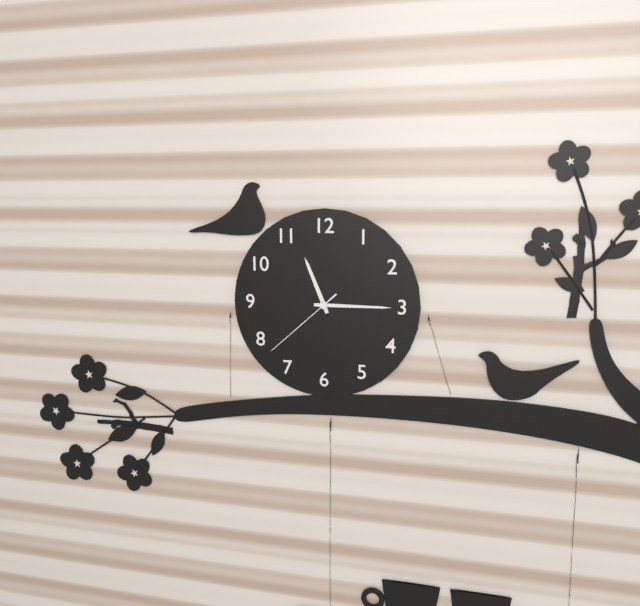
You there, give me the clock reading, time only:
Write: 11:15:38
